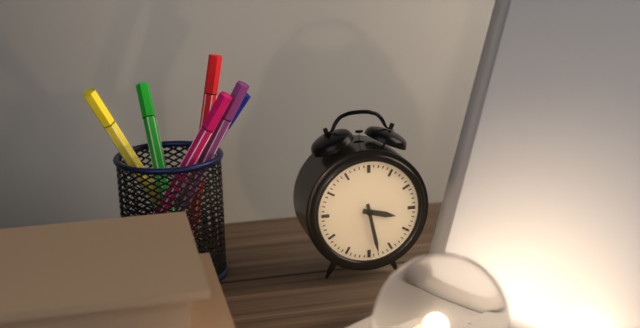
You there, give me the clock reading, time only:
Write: 3:28
